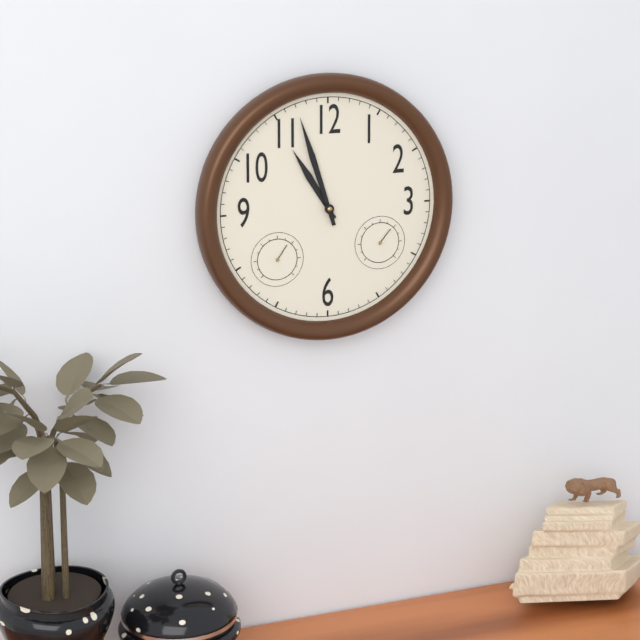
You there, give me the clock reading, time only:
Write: 10:57
